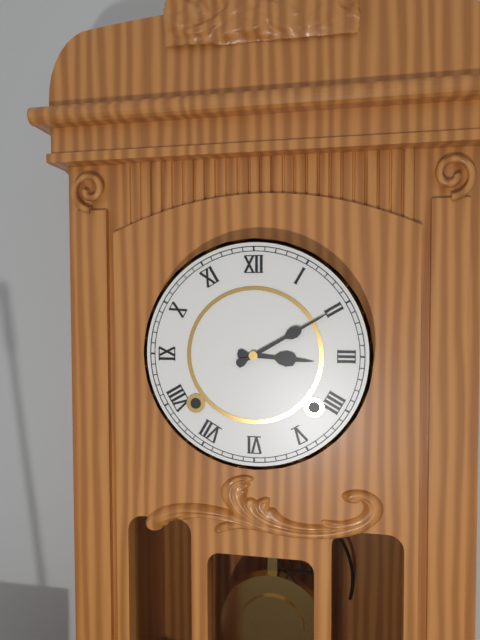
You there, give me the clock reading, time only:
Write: 3:10
